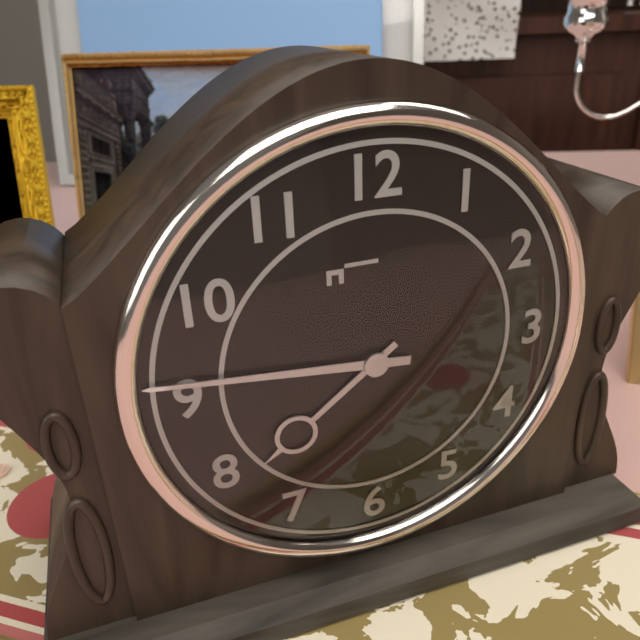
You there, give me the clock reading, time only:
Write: 7:46
